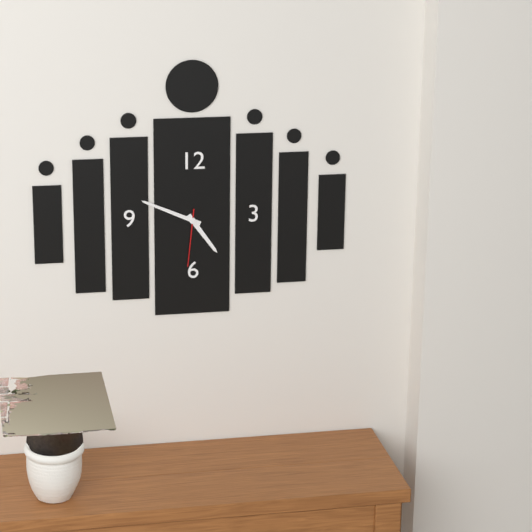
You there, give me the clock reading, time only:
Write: 4:49:31
